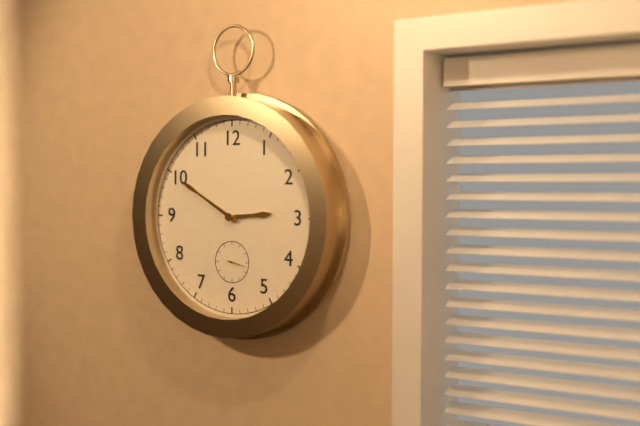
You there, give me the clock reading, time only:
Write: 2:50
